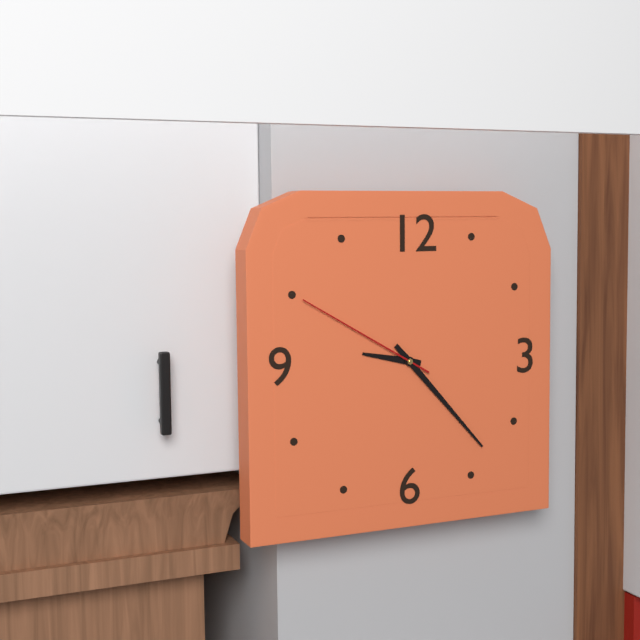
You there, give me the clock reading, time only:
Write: 9:23:50
